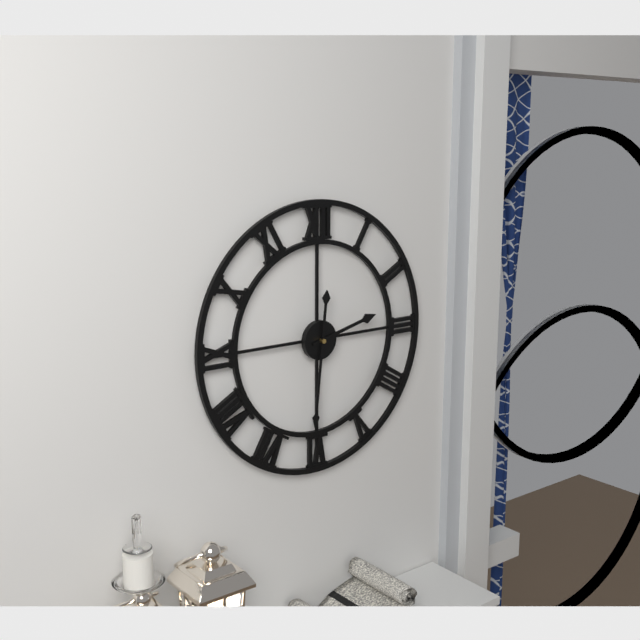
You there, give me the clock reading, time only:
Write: 2:31
